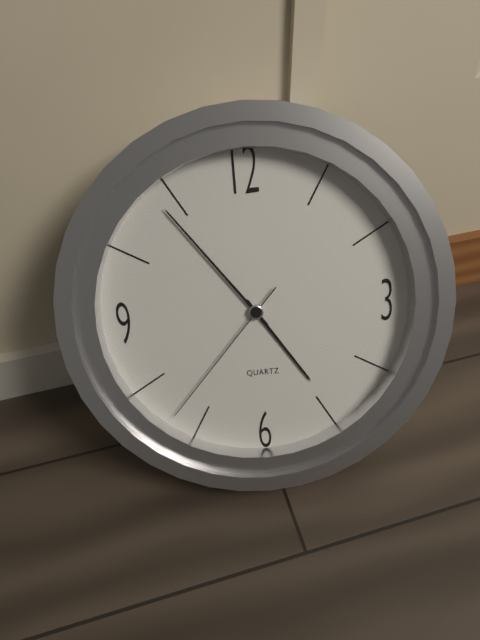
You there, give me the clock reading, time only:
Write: 4:54:37
